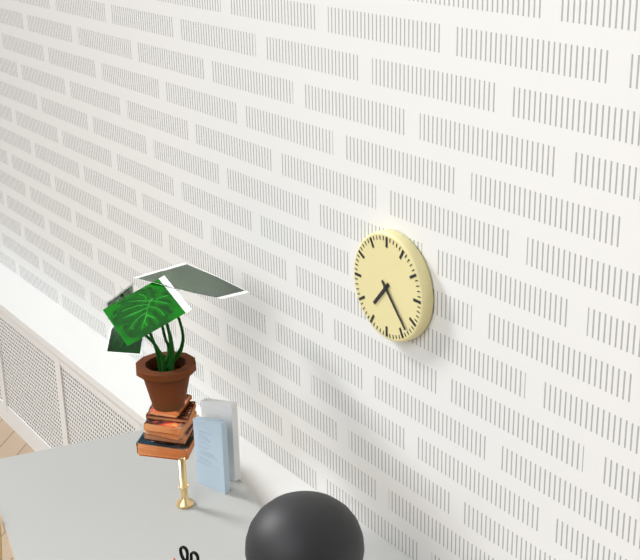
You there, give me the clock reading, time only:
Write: 7:23
